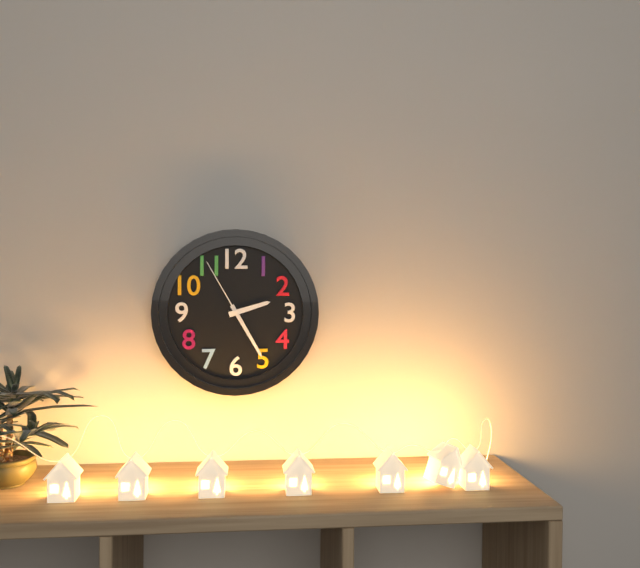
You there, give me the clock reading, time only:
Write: 2:25:55
